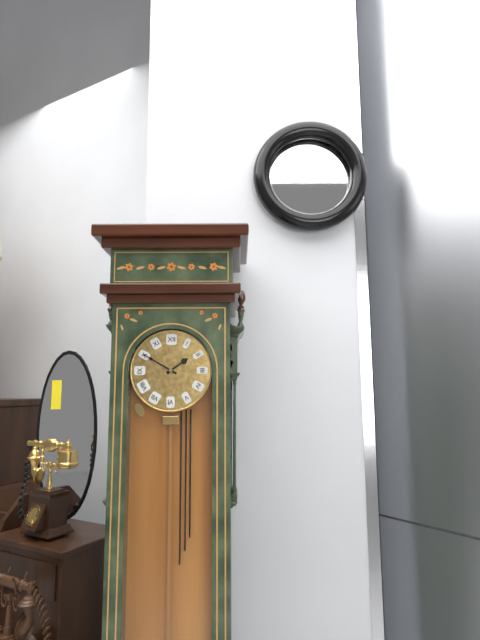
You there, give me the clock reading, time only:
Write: 1:50
